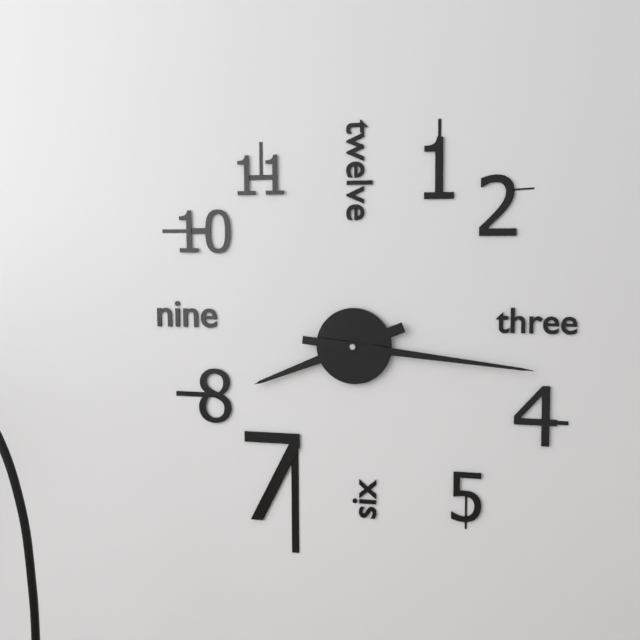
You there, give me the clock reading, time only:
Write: 8:16
